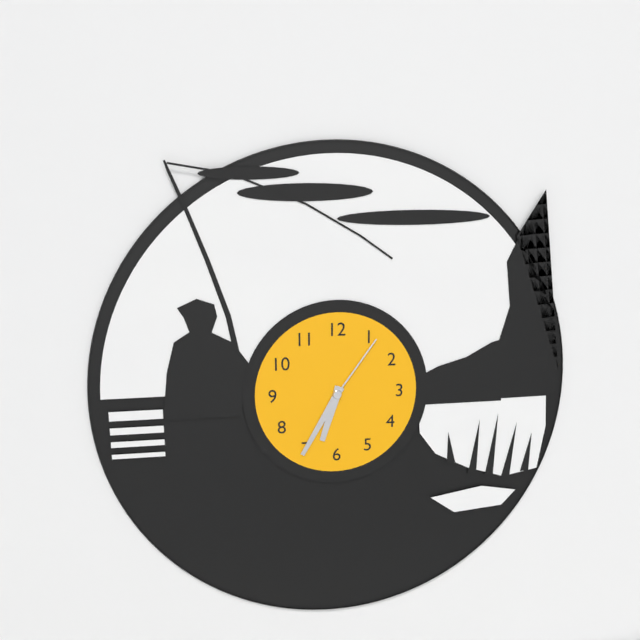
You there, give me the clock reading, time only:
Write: 6:35:06
